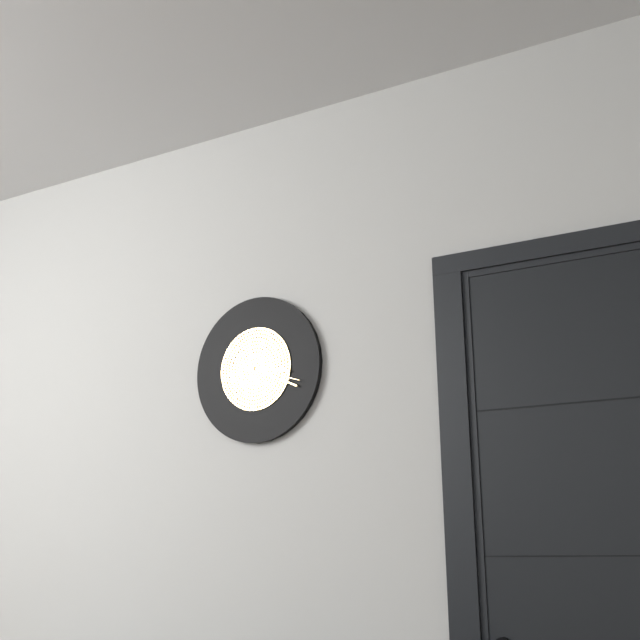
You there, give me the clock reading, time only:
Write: 3:19:18
